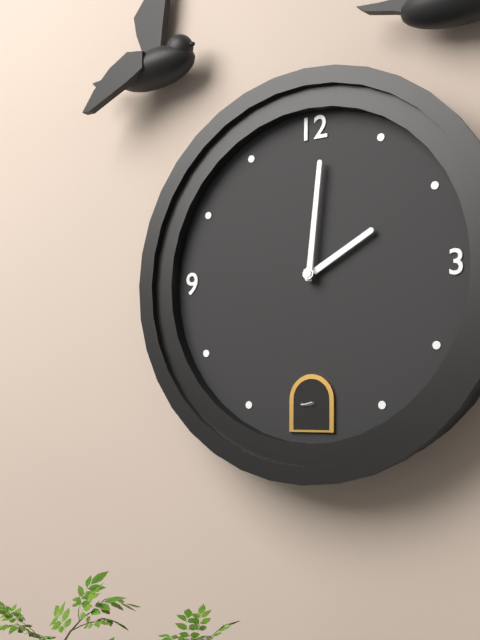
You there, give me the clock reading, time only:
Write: 2:01
